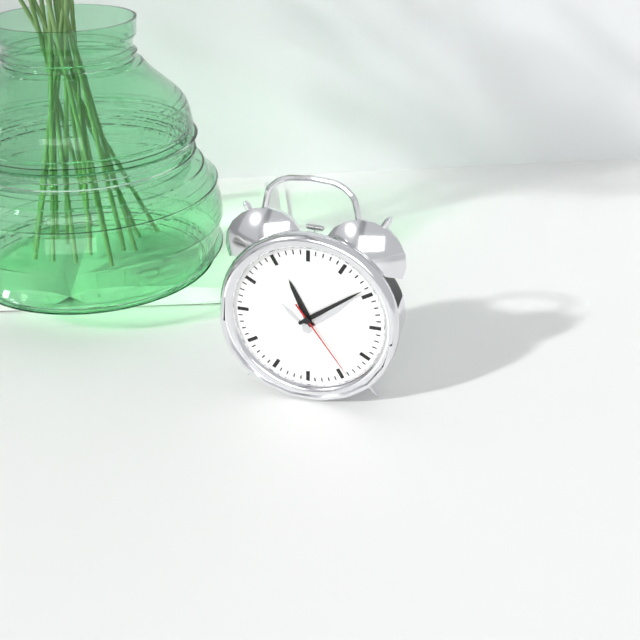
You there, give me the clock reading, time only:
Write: 11:09:24
